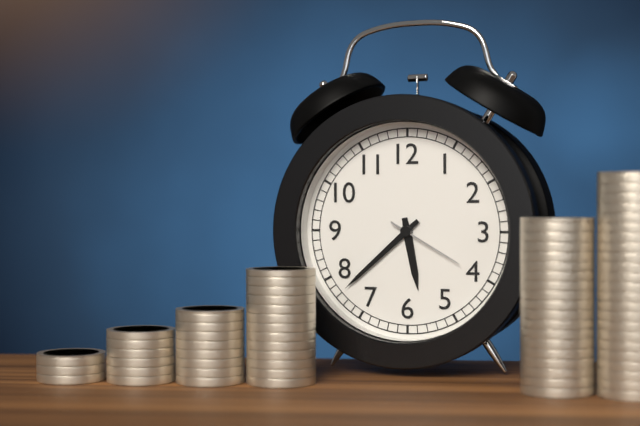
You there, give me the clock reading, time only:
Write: 5:38:20
